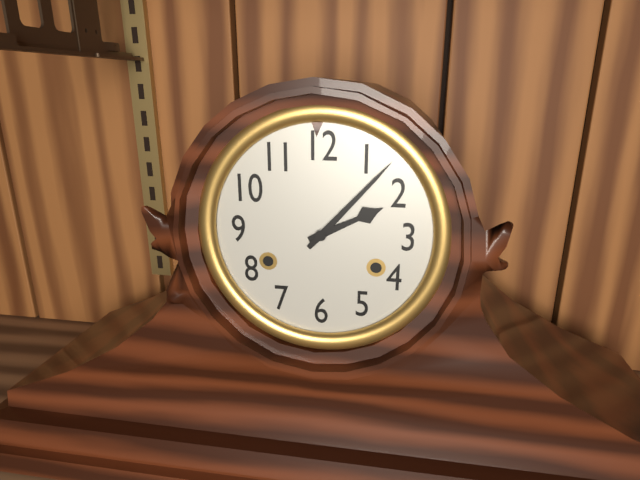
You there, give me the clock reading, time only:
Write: 2:07
